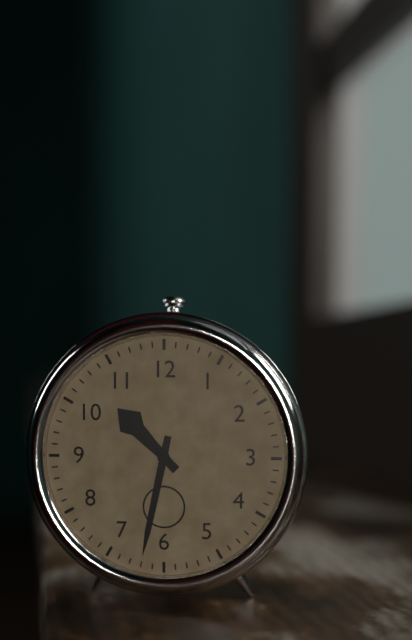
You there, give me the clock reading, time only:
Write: 10:32
